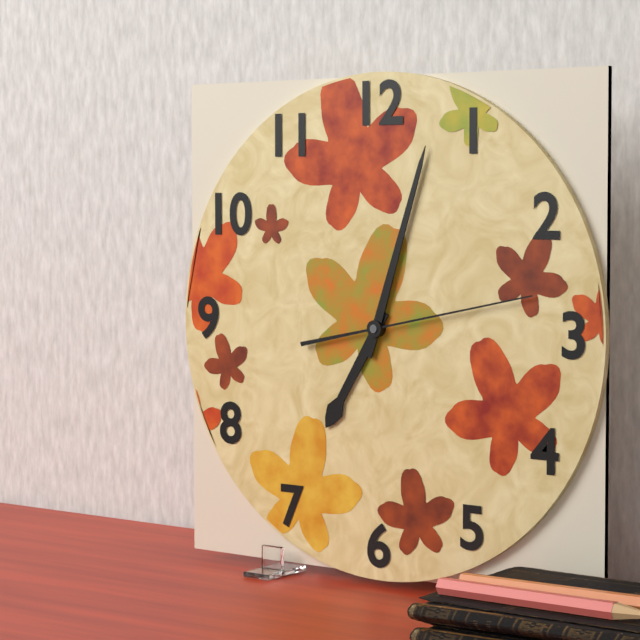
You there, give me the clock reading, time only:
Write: 7:03:13
